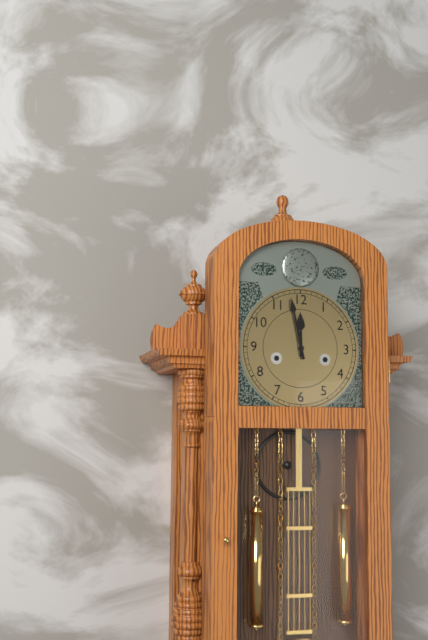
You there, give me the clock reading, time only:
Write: 11:58
